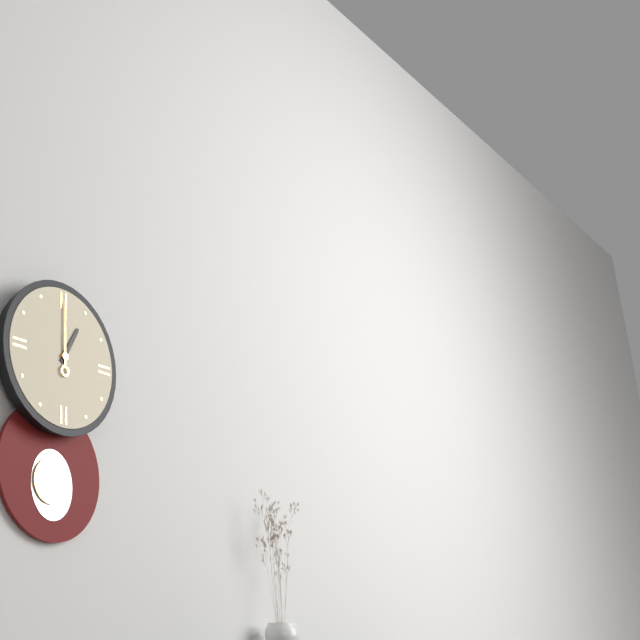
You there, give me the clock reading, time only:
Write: 1:00
